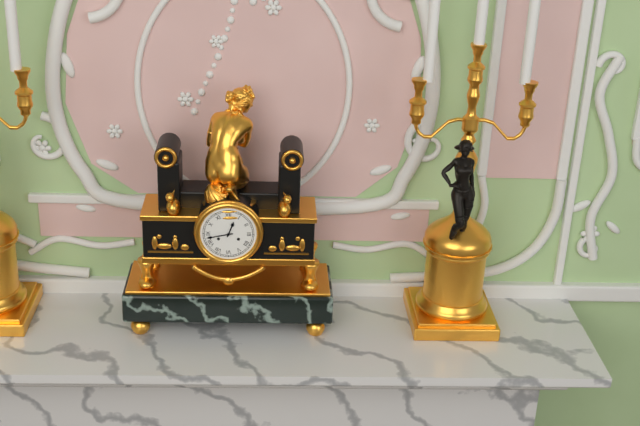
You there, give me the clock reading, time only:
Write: 12:43
